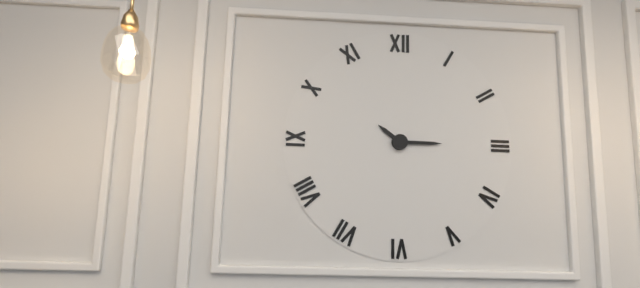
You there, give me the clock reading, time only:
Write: 10:15
